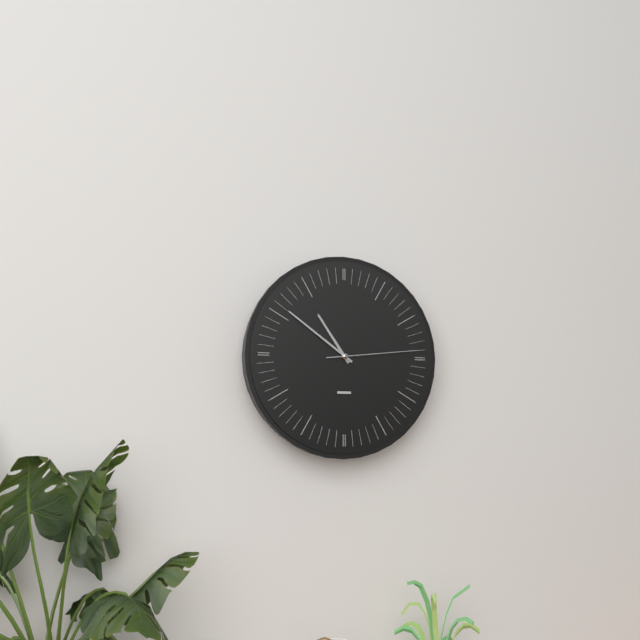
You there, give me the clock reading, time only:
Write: 10:51:14
